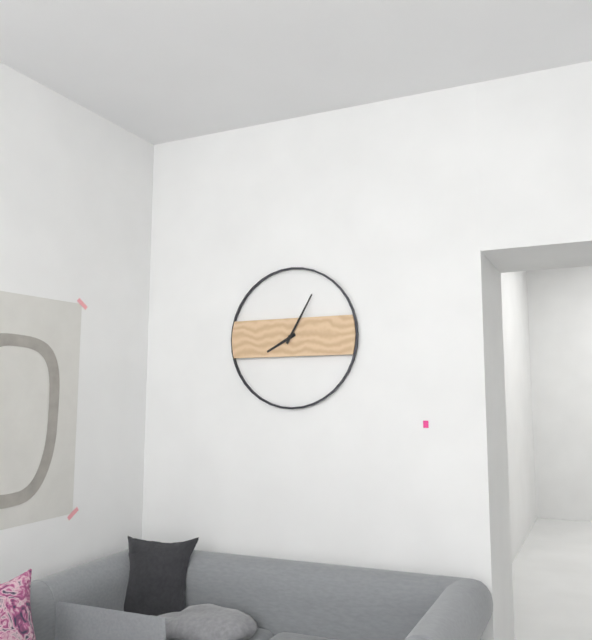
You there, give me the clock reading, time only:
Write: 8:05
